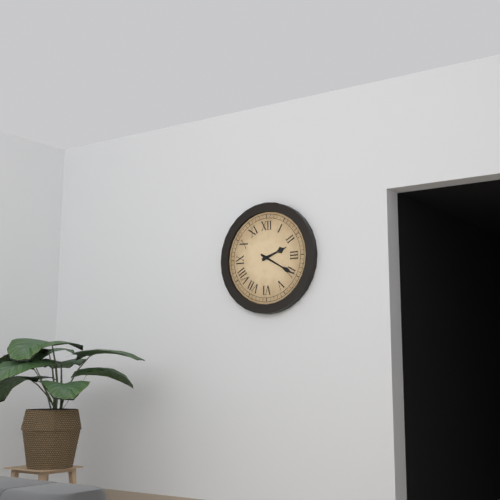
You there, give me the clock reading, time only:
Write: 2:20
